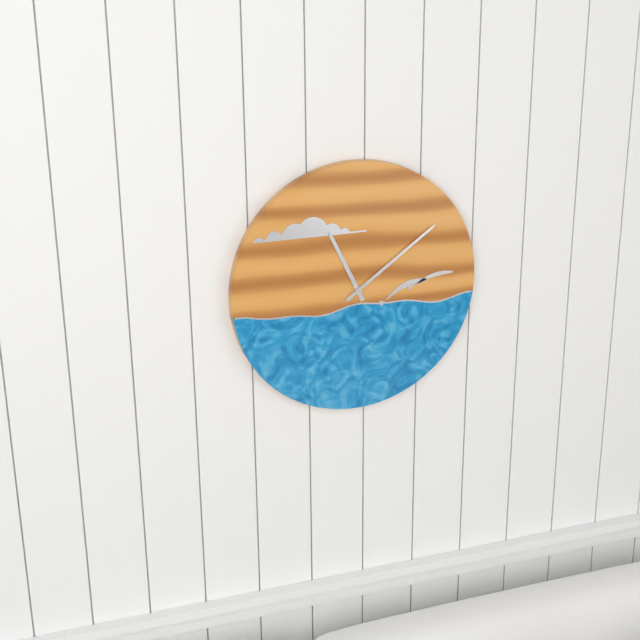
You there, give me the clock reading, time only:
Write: 11:09
